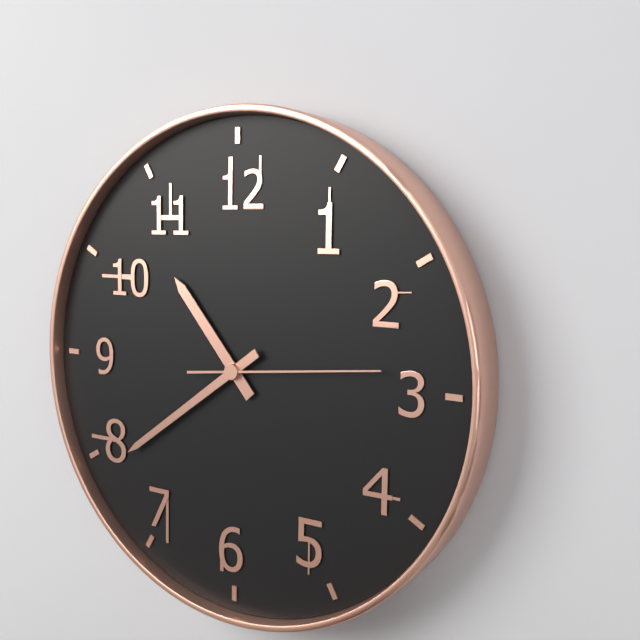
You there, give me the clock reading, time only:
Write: 10:39:14
